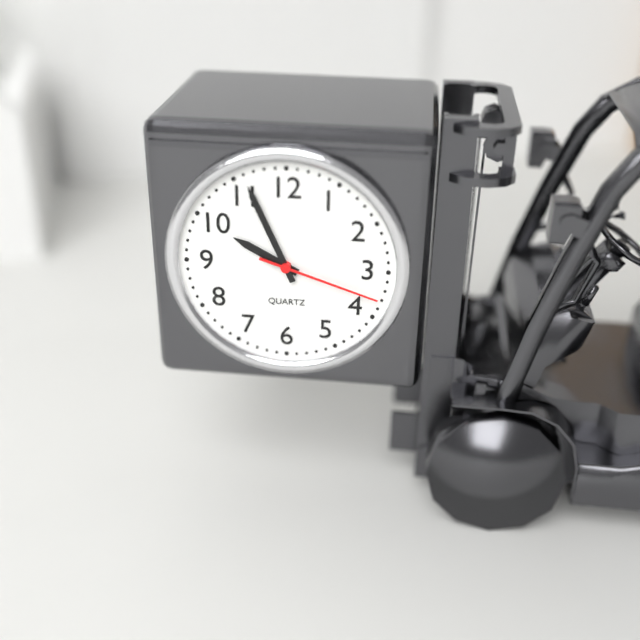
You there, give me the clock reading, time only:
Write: 9:56:18
